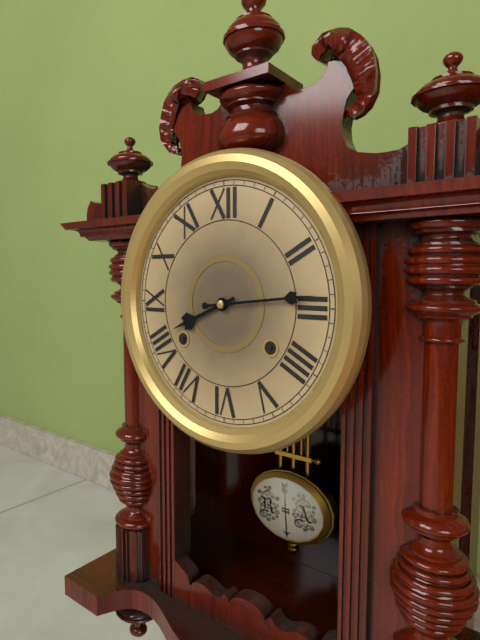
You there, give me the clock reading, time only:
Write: 8:14
